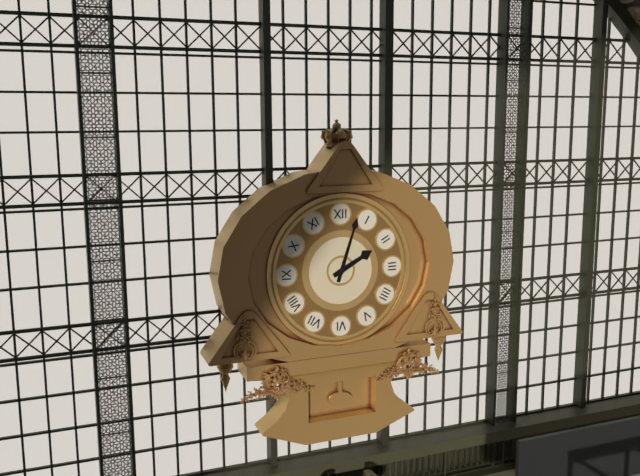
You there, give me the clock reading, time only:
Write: 2:03
